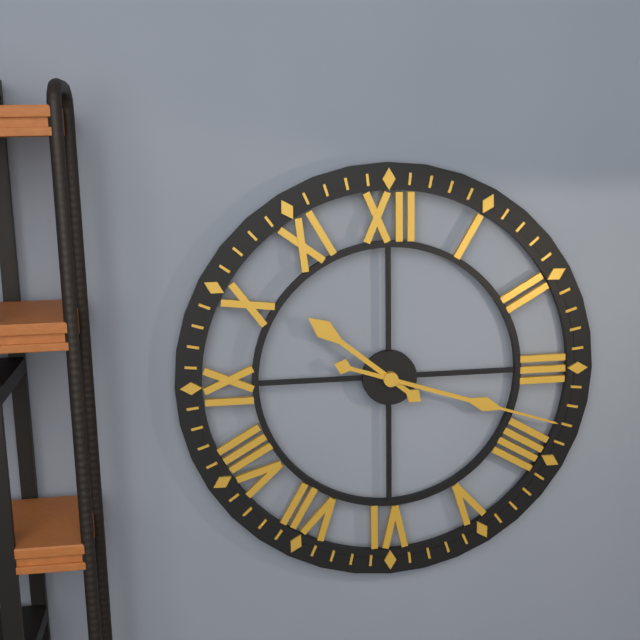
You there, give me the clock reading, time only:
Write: 10:18
